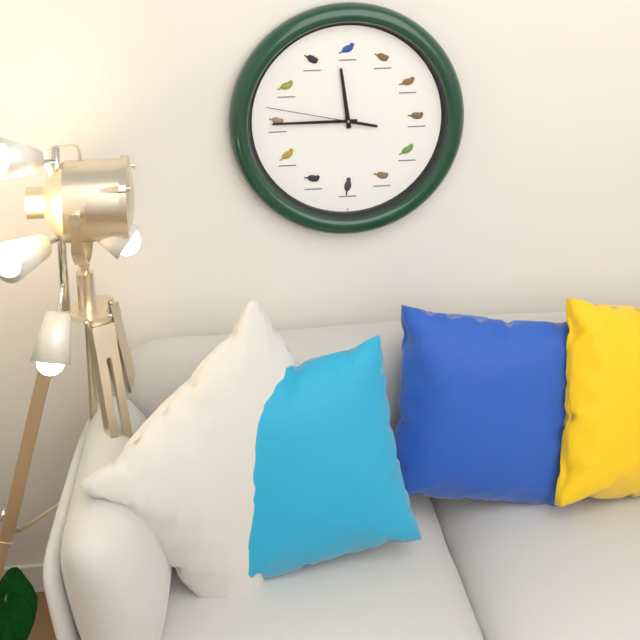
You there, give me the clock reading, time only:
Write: 11:45:47
